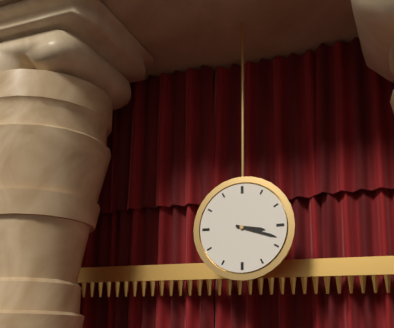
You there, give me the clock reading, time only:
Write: 3:18
